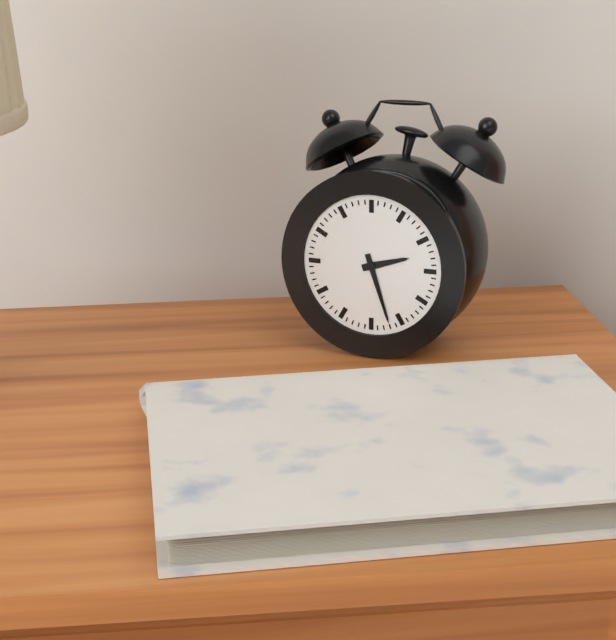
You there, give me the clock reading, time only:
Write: 2:27
